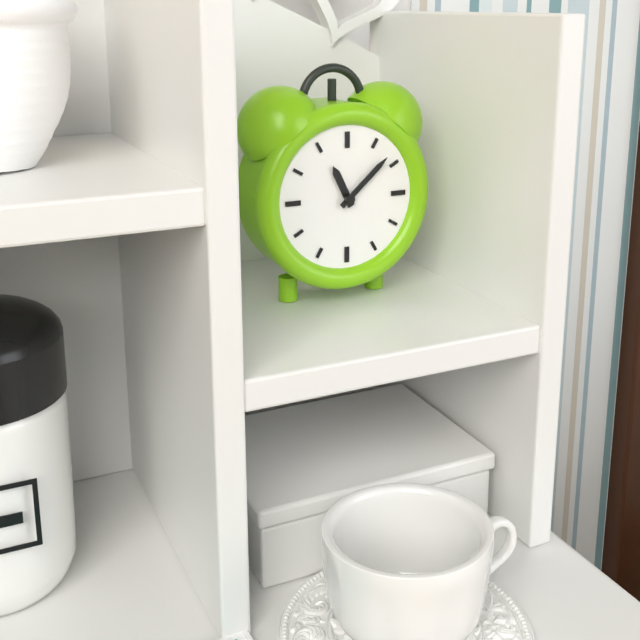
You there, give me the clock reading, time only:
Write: 11:08
